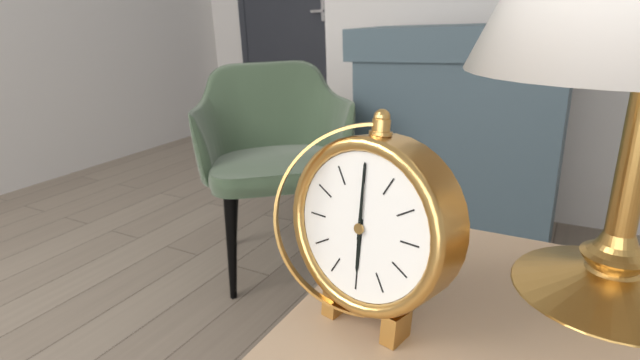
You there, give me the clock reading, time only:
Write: 6:00
